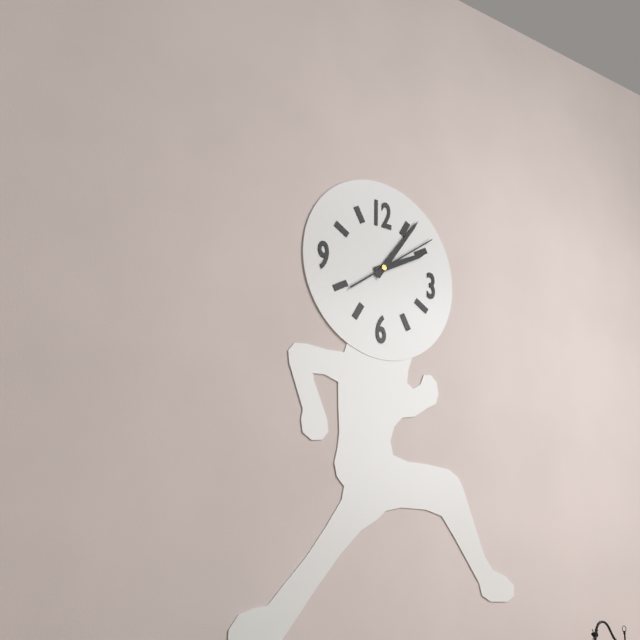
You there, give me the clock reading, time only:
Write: 2:06:09
